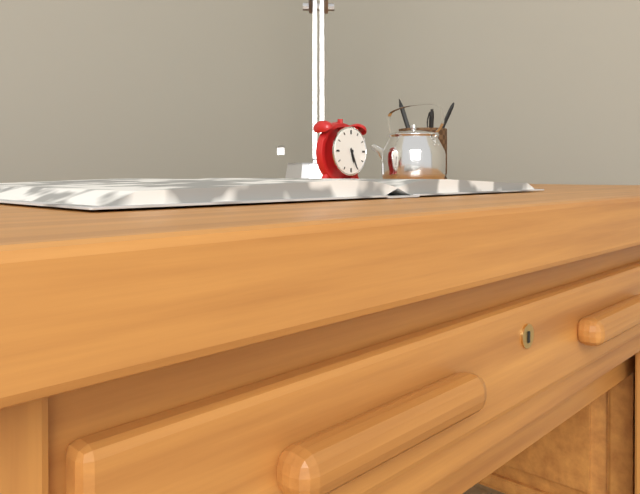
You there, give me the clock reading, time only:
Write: 5:26
